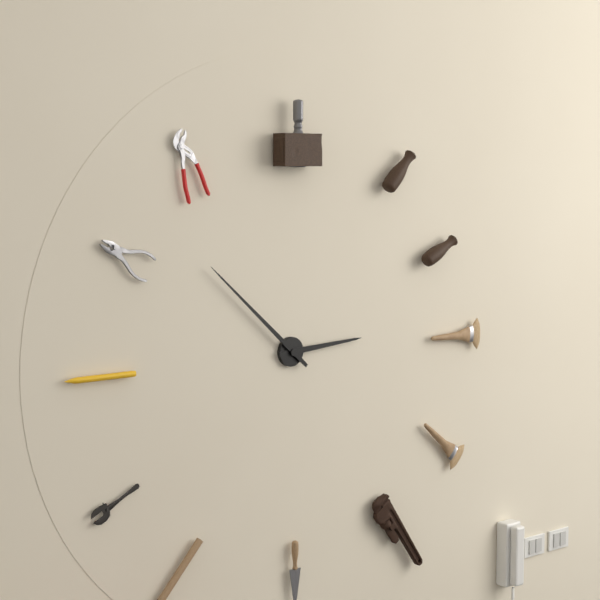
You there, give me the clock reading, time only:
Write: 2:52
